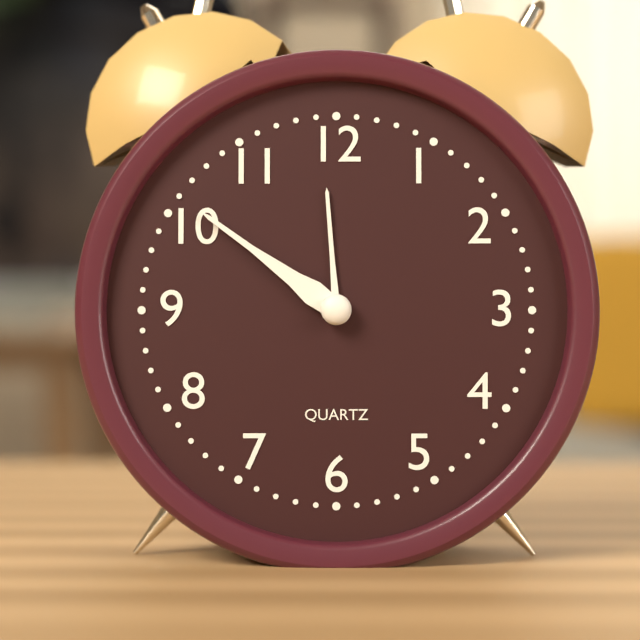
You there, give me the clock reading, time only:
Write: 11:51
